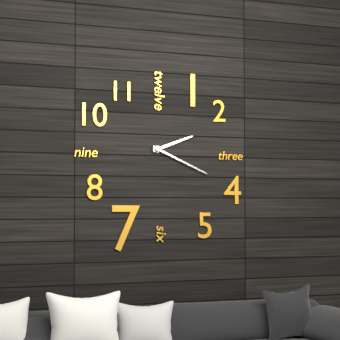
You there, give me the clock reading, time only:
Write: 2:19
